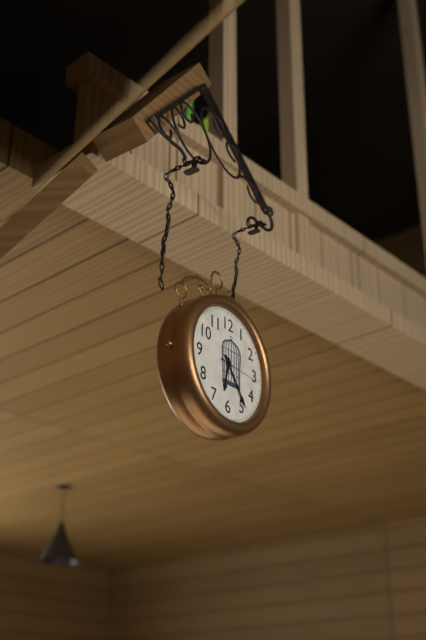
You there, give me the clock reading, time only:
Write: 6:24
